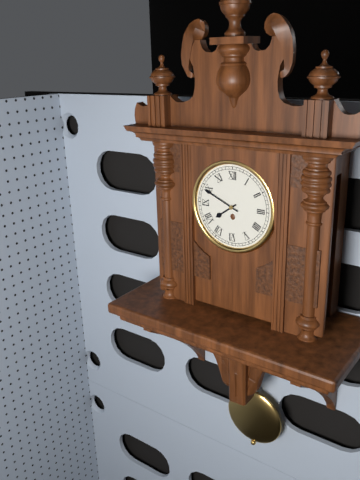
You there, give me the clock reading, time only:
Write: 7:49
